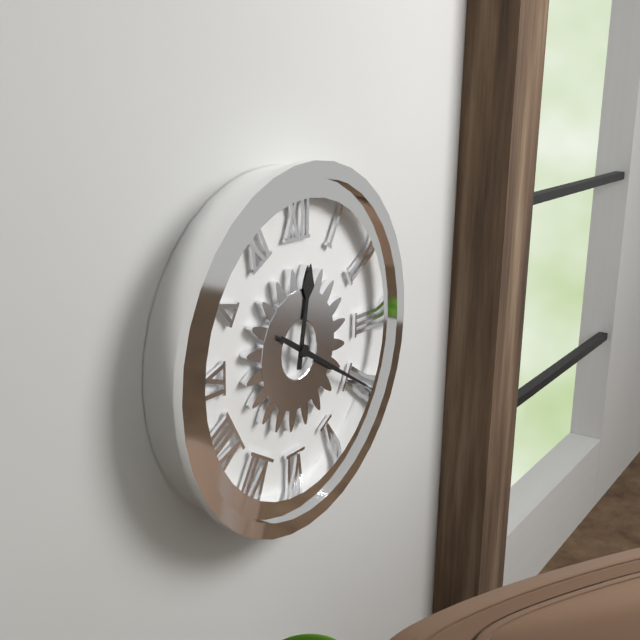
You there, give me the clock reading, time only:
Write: 12:20
